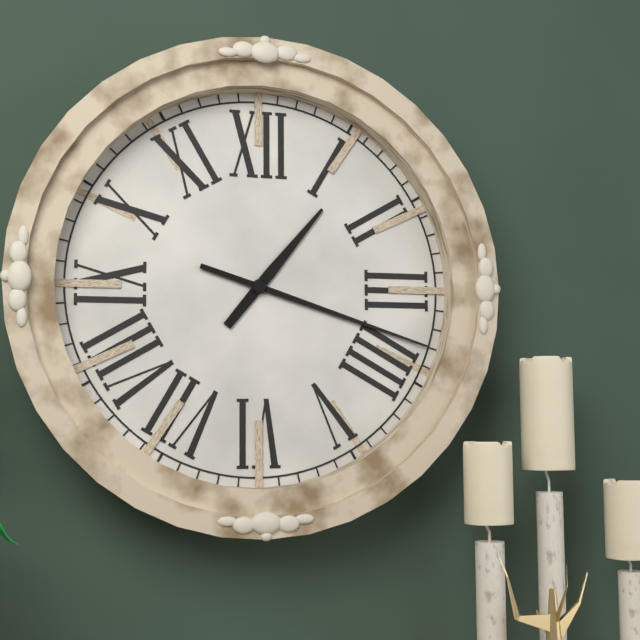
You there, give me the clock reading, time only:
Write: 1:18
